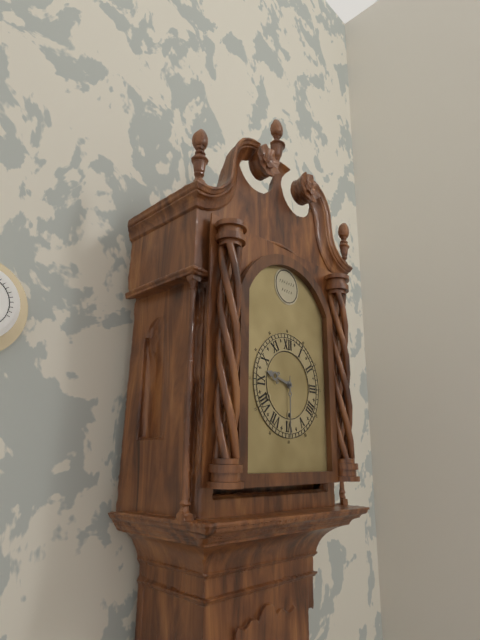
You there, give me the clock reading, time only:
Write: 9:30
